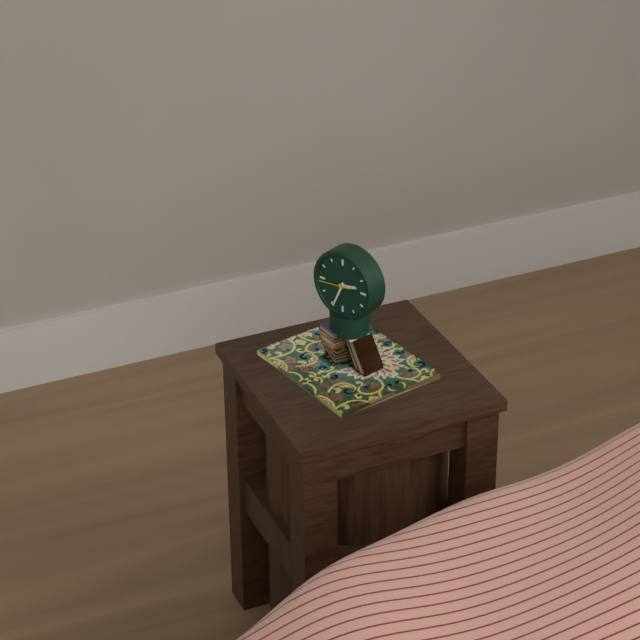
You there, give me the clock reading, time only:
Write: 2:34
